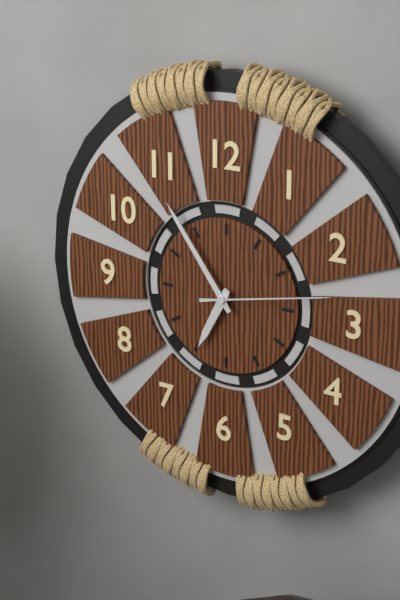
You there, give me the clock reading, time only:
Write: 6:54:13
